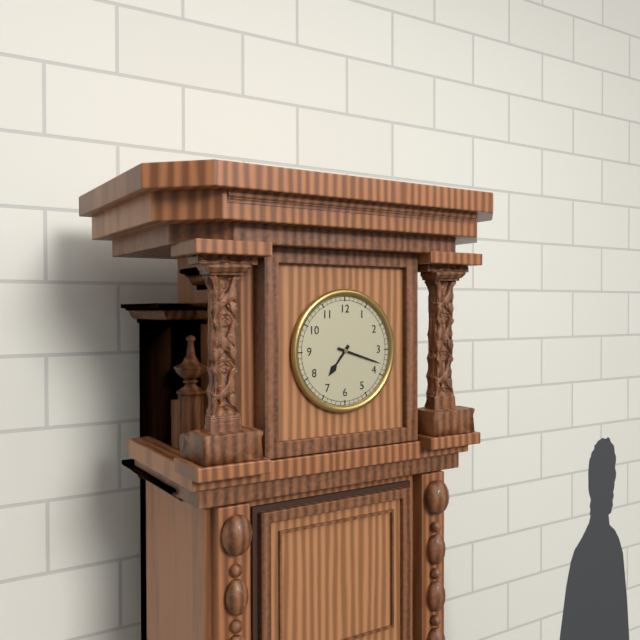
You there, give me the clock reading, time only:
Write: 7:18
